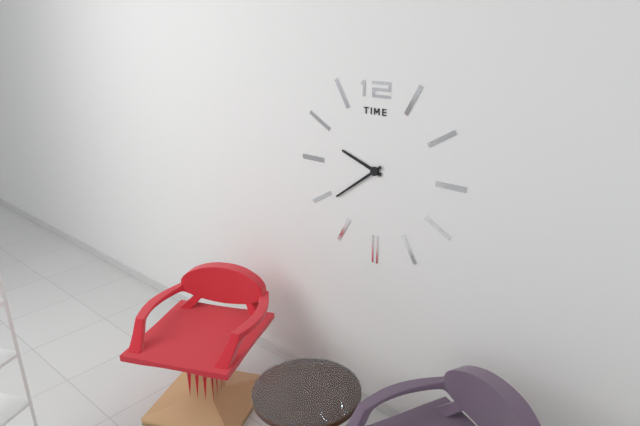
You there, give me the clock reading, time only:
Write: 9:39
